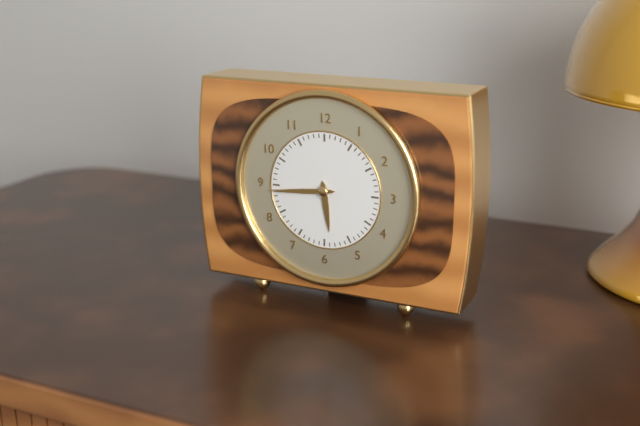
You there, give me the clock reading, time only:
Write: 5:44
